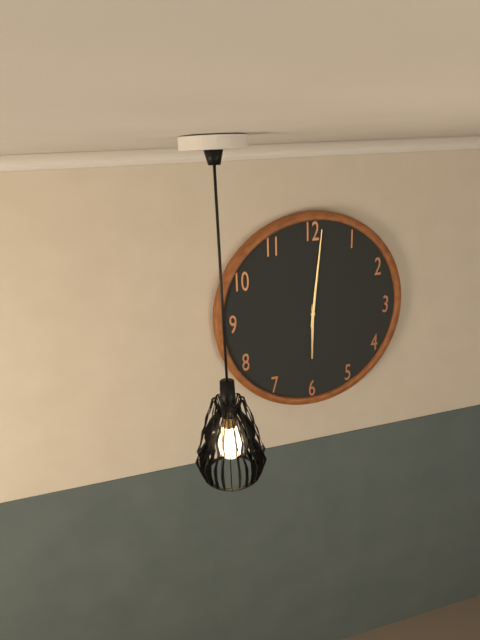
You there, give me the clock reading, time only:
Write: 6:01
